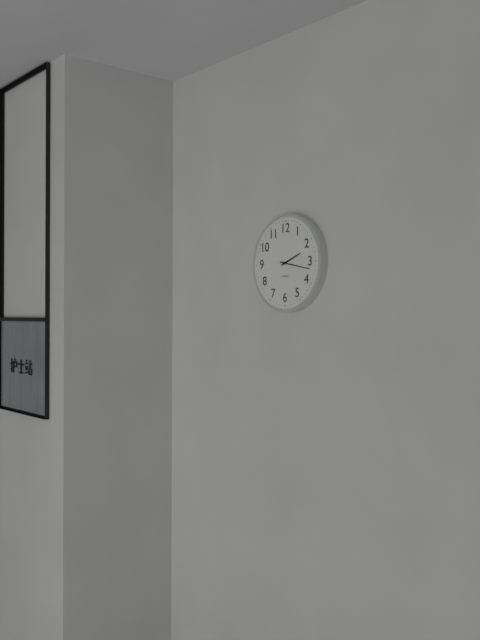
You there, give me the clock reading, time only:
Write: 2:17
